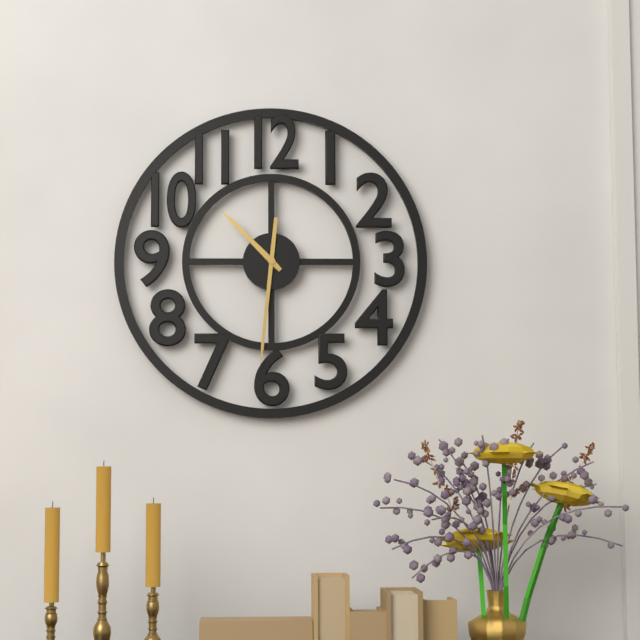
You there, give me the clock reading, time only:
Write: 10:31
